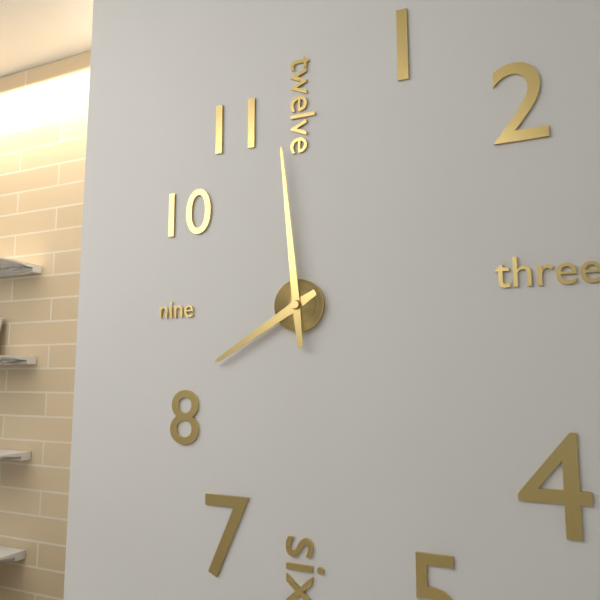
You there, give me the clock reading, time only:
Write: 7:59
